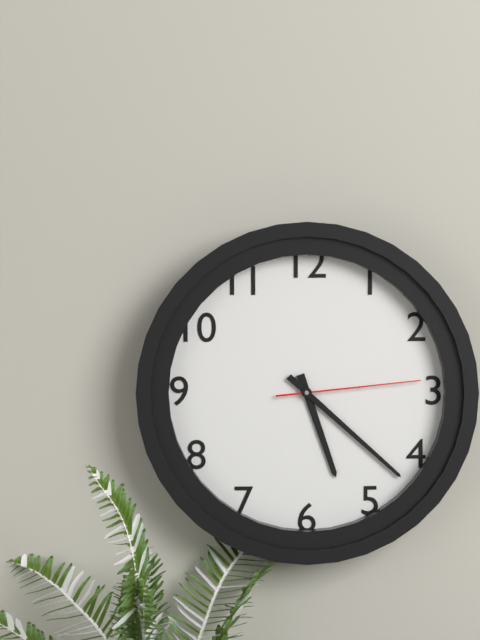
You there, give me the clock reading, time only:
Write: 5:22:14
